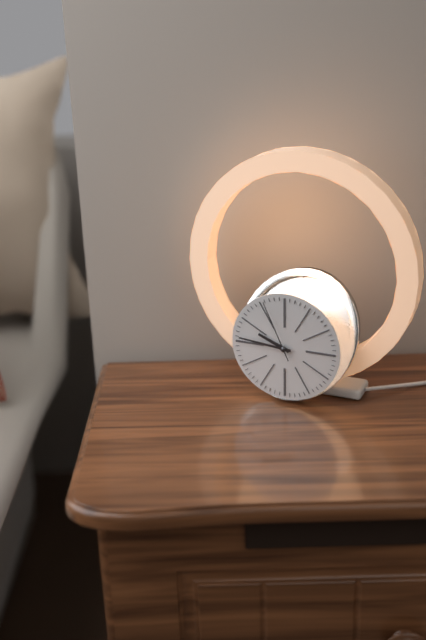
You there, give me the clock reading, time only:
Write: 9:46:56
